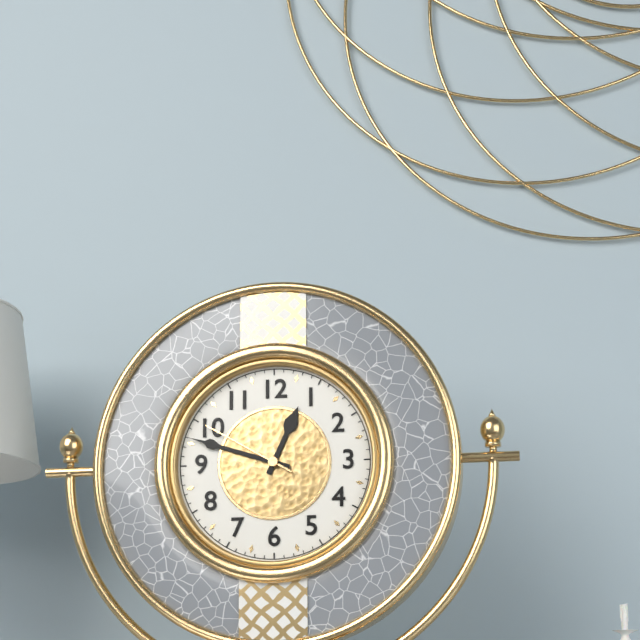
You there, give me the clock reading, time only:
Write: 12:48:50
